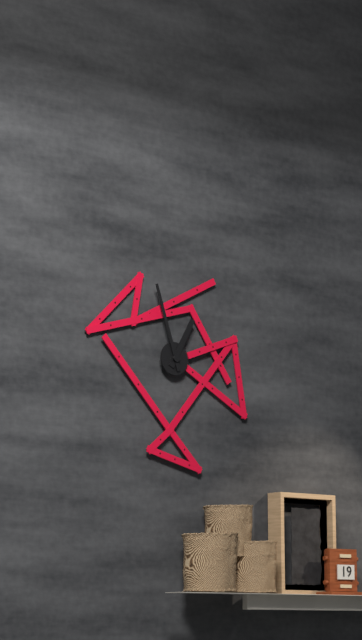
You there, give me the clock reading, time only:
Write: 12:57
